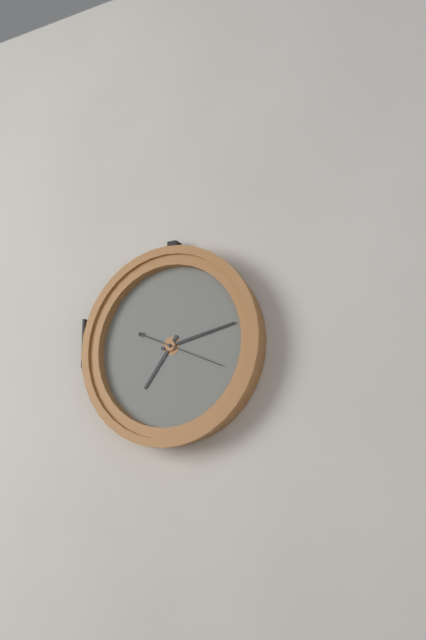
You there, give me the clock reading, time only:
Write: 7:13:19
